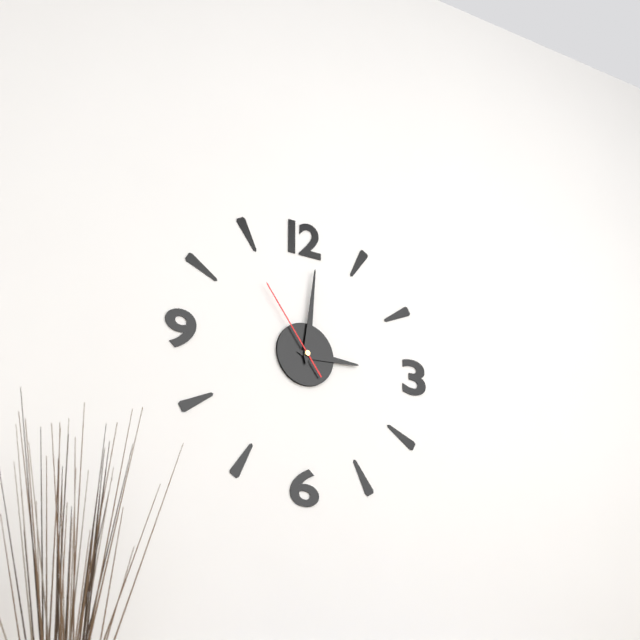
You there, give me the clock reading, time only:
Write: 3:01:54
